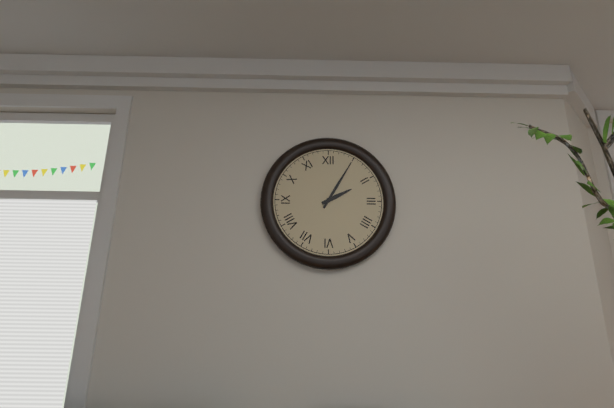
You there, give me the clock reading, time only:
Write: 2:05
